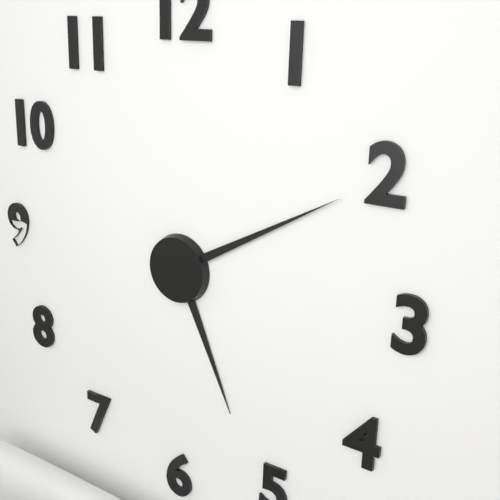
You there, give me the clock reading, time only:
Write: 5:10
